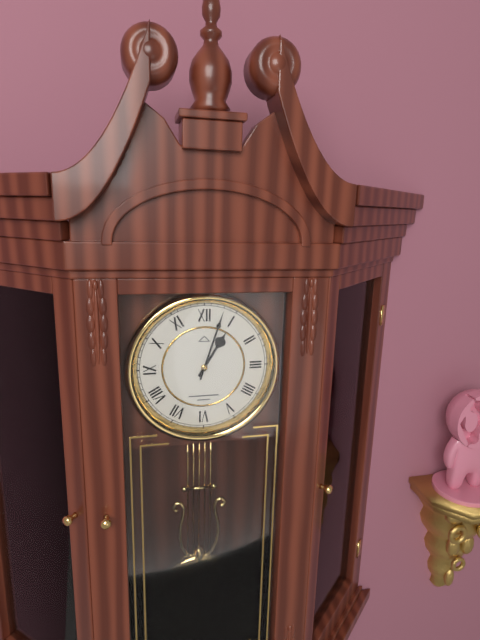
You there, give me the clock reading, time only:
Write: 1:03
